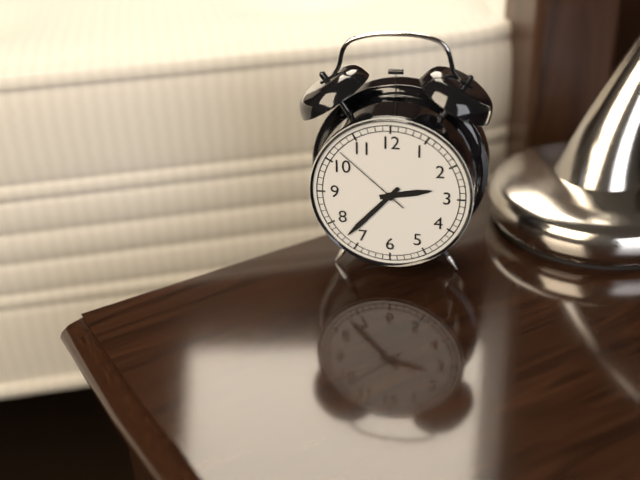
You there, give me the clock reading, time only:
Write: 2:37:52
